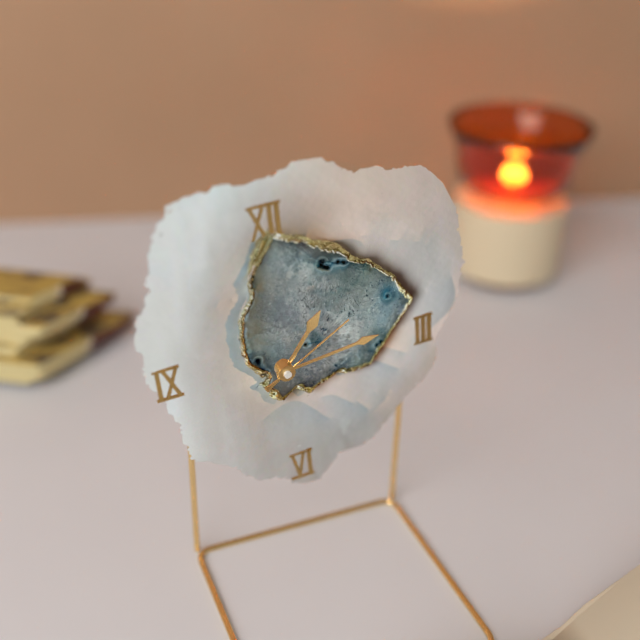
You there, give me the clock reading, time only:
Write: 1:14:10
